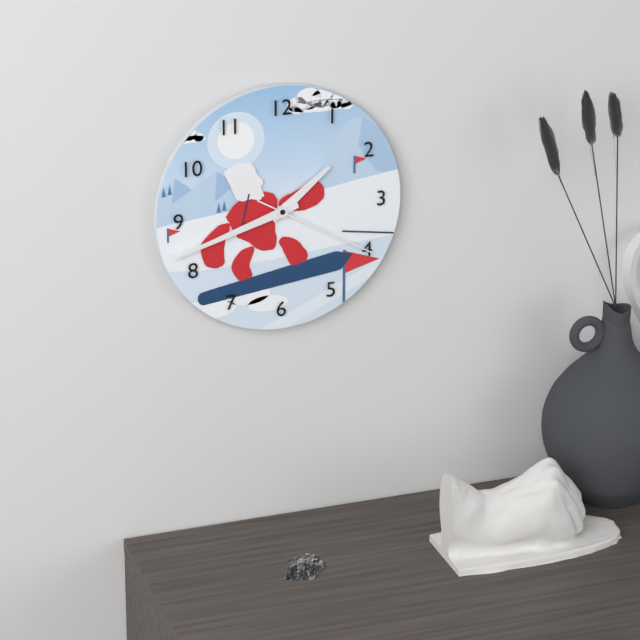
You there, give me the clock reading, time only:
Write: 1:42:20
